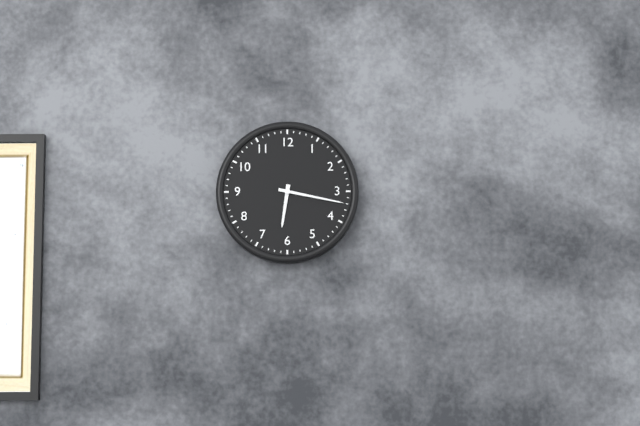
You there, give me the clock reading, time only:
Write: 6:17
